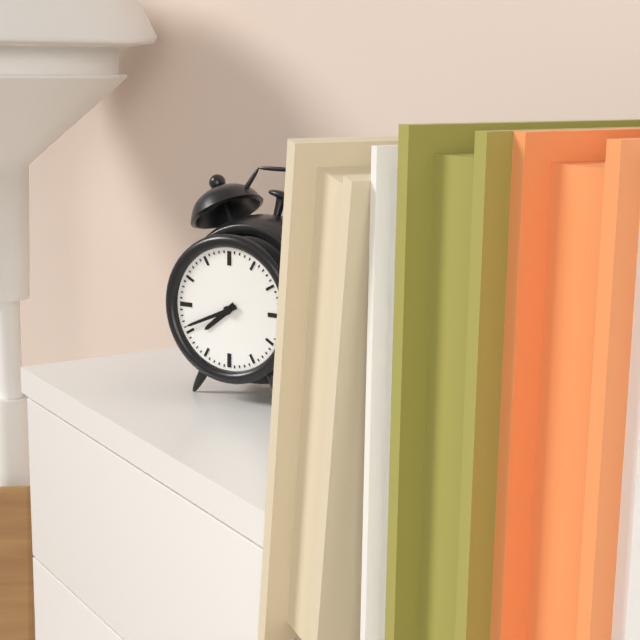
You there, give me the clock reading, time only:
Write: 7:41
